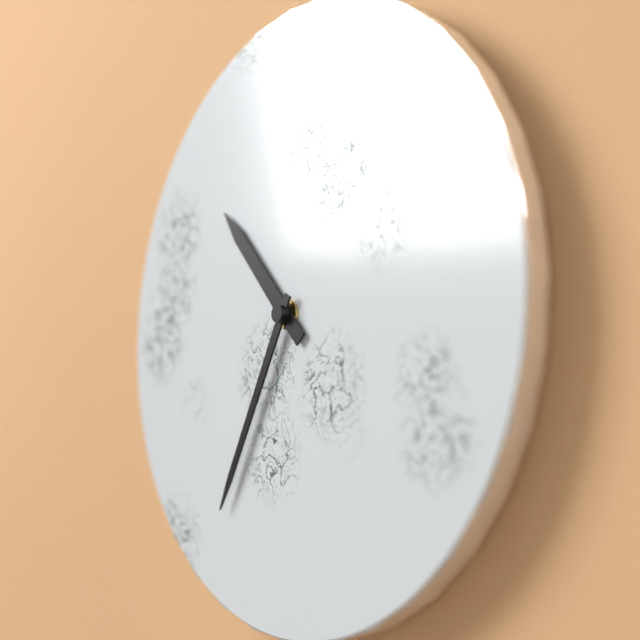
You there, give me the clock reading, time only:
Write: 10:35
